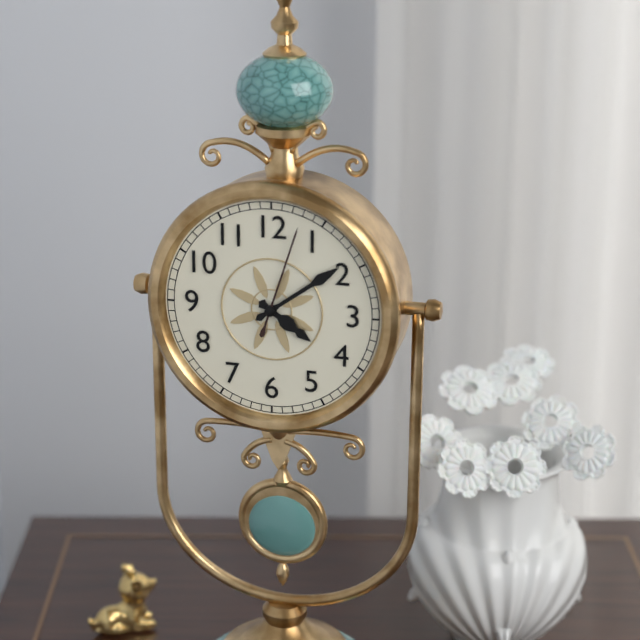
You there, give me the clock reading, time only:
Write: 4:09:03
